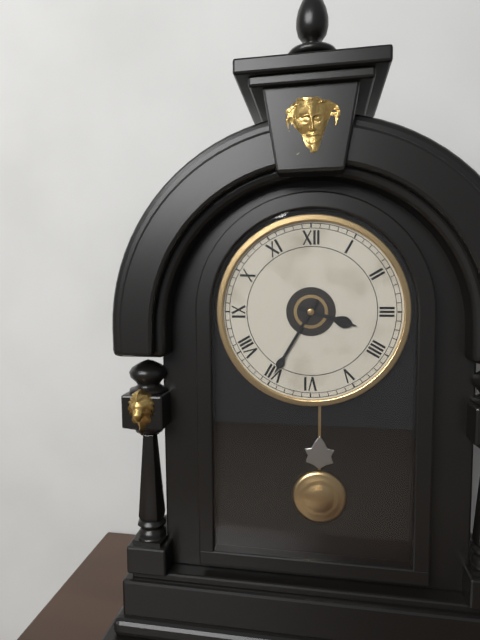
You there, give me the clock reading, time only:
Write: 3:35
